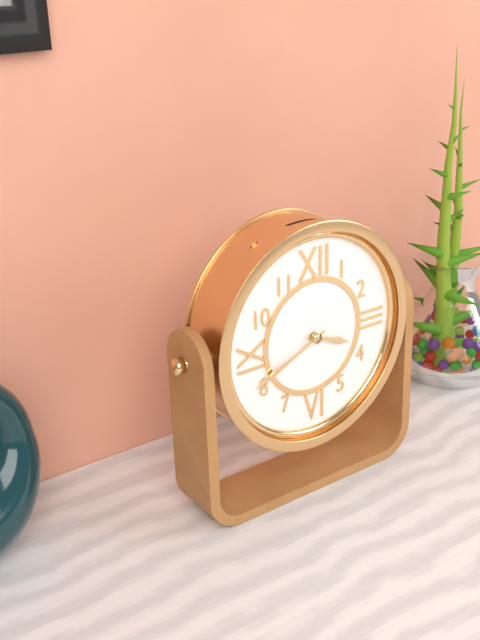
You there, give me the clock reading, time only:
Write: 3:41
